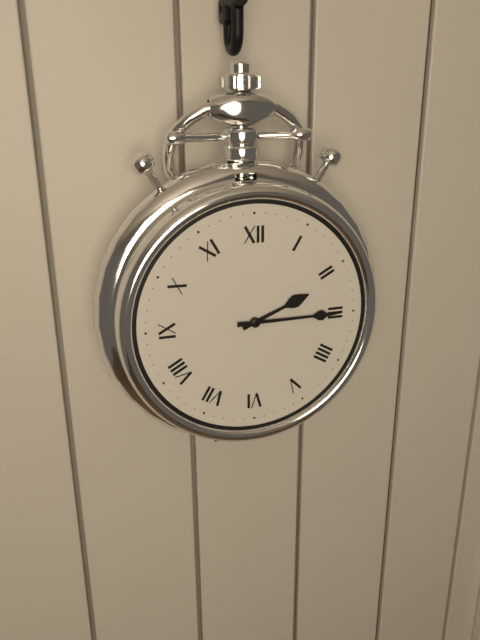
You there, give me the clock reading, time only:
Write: 2:15
